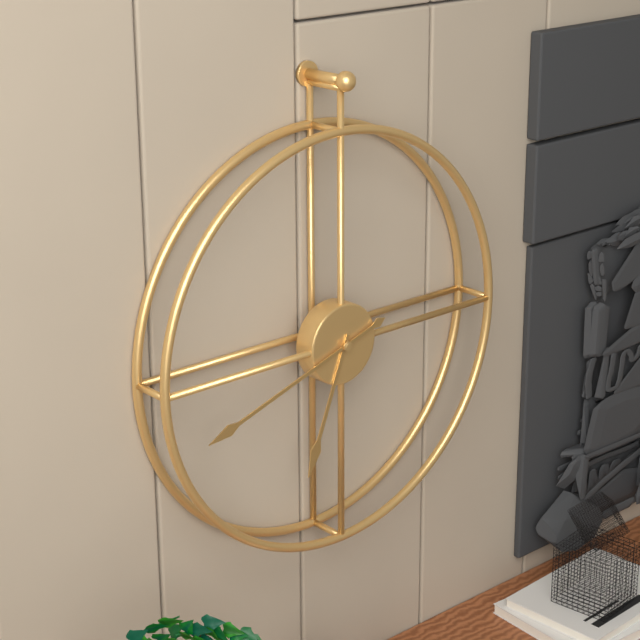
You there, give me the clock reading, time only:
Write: 6:42
